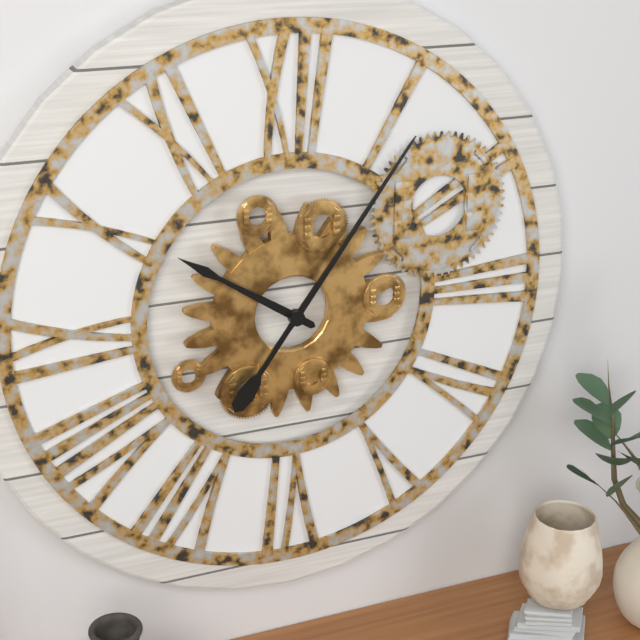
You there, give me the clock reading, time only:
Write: 10:06
